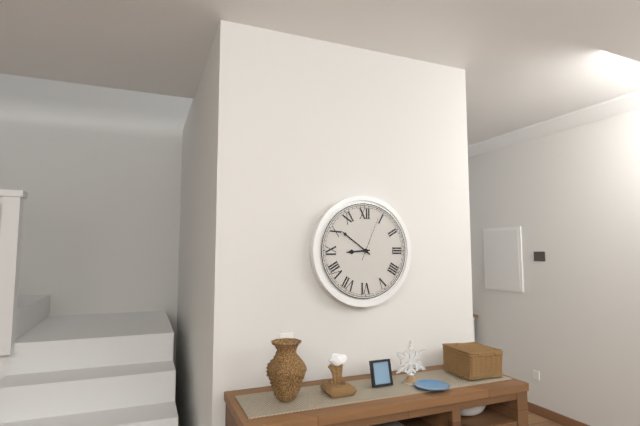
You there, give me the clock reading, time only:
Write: 8:51
